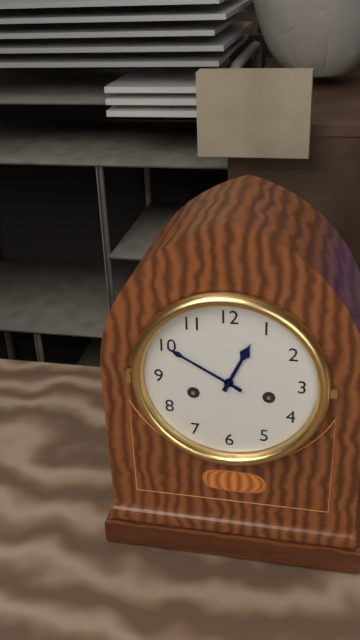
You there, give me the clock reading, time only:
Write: 12:50
